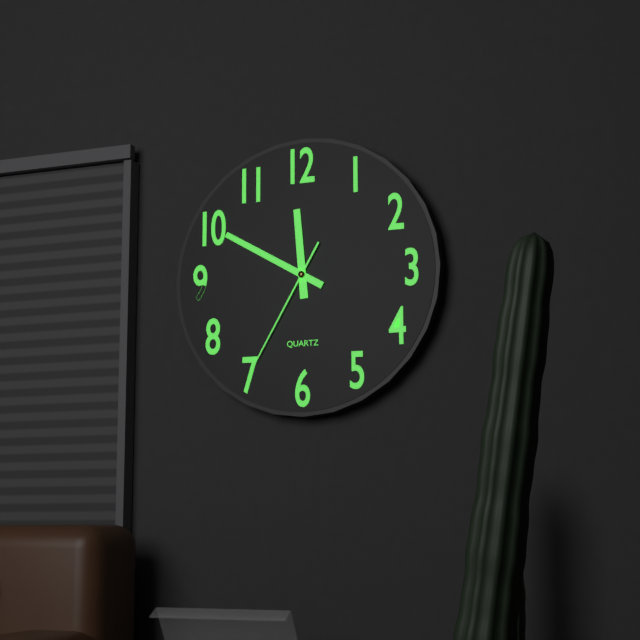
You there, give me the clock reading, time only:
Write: 11:50:35
